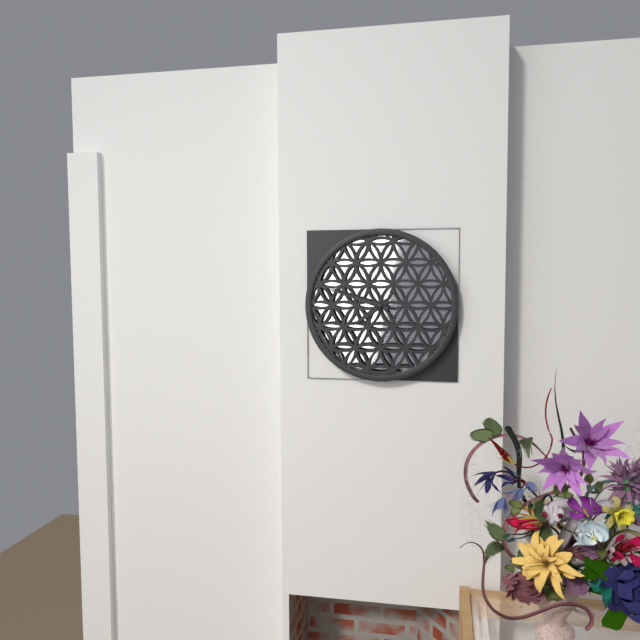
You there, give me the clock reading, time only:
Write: 7:48
